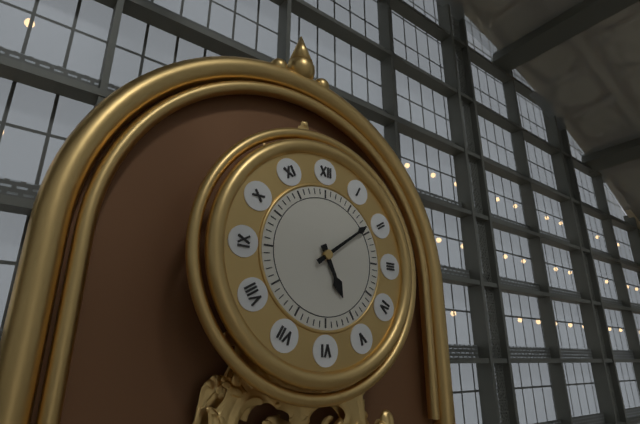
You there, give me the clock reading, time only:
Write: 5:09
